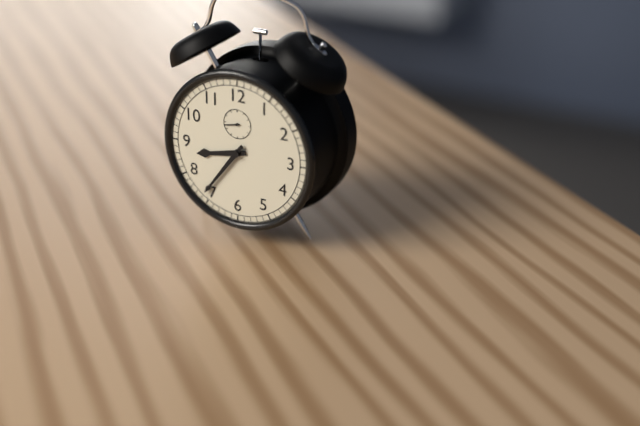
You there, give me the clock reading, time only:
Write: 8:36
